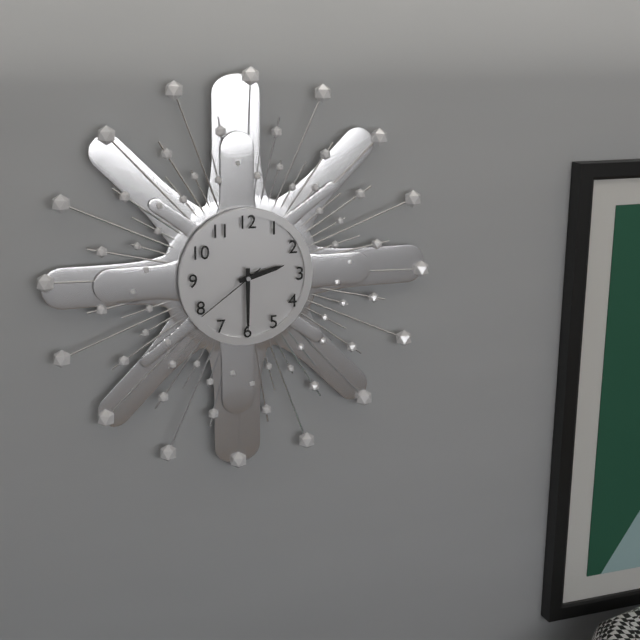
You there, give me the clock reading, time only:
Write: 2:30:39
